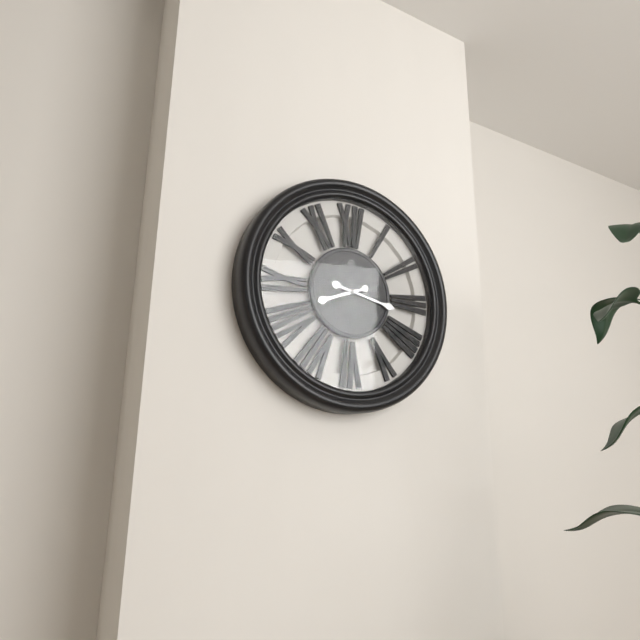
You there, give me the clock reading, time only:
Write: 8:17
